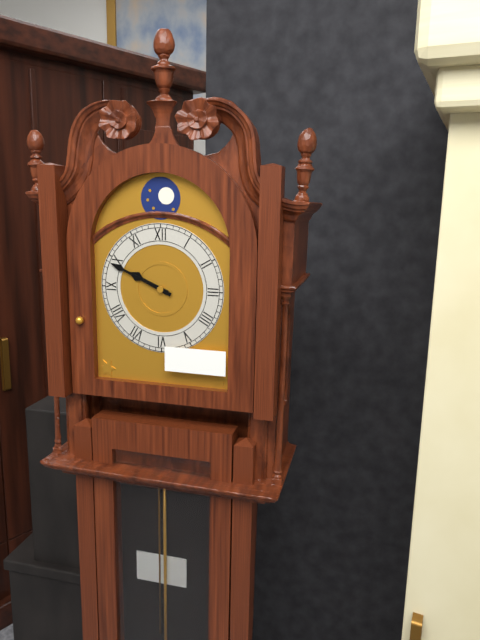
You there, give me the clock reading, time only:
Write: 9:49
